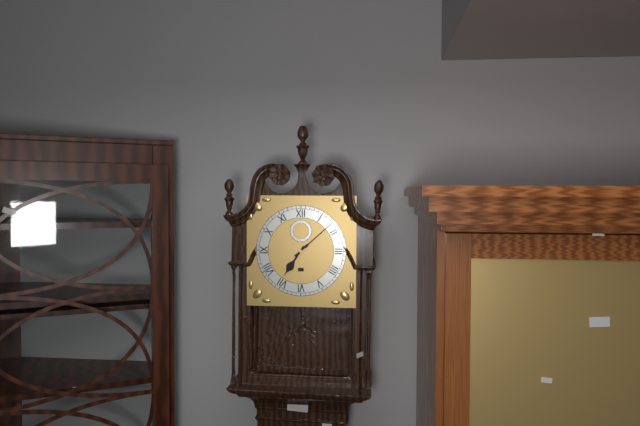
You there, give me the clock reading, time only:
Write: 7:08
